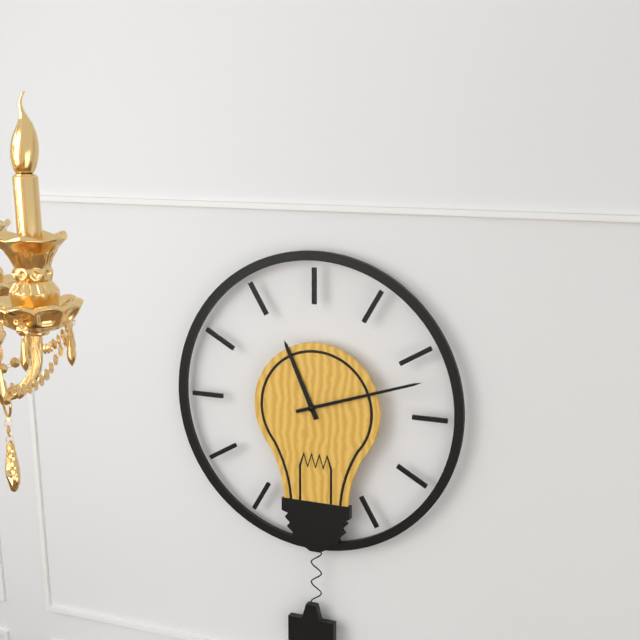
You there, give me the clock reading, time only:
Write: 11:12
